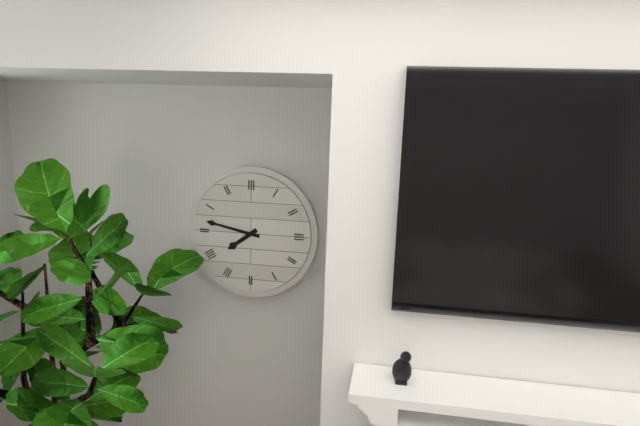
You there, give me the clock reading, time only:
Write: 7:47
